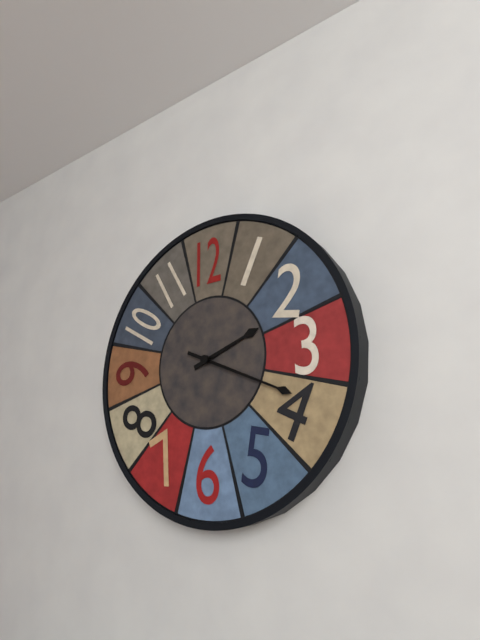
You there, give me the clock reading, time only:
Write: 2:19
